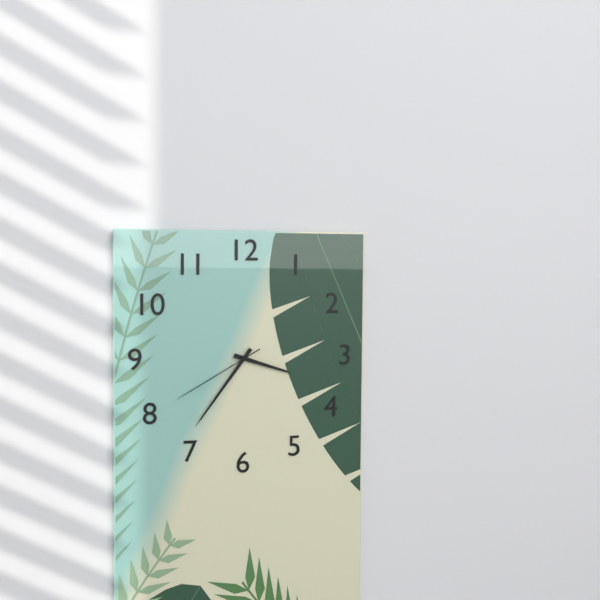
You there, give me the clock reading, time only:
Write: 3:36:40
